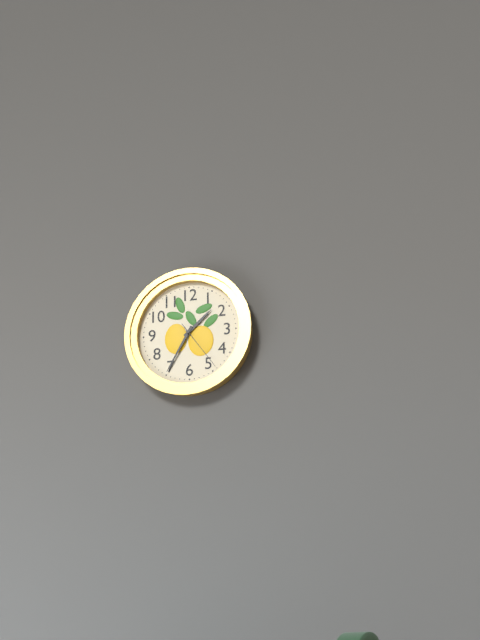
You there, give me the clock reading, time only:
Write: 1:35:24
